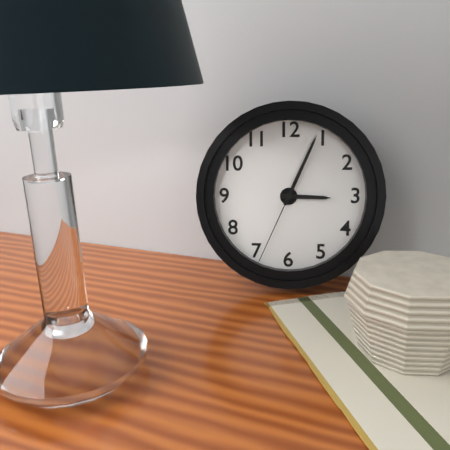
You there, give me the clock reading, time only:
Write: 3:04:34
